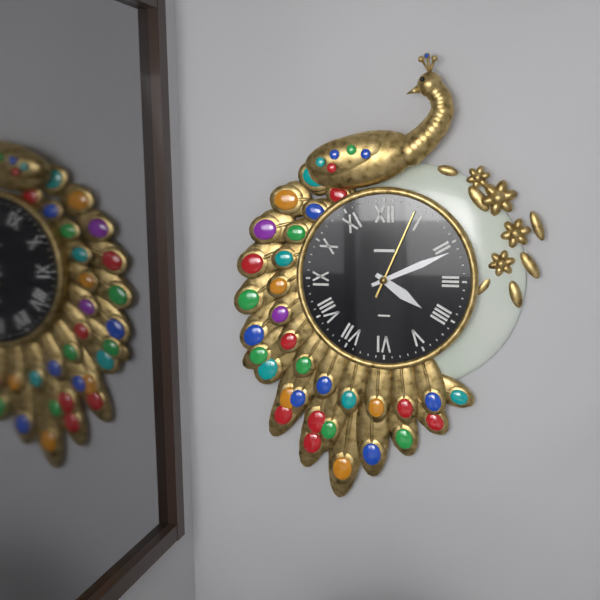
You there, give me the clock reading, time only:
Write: 4:11:04
